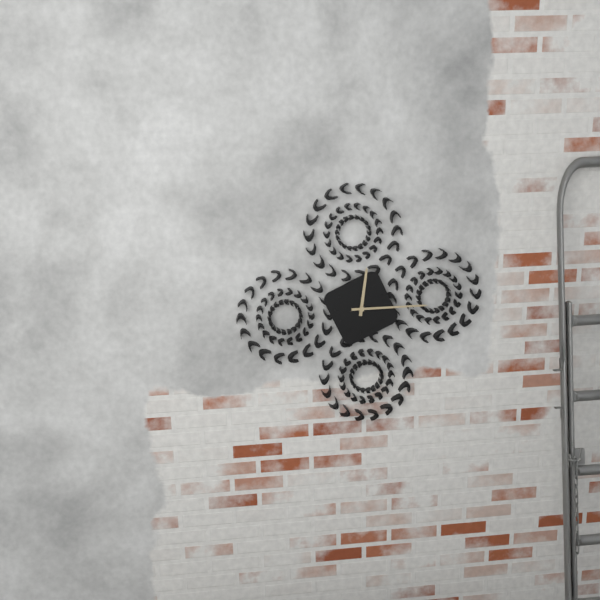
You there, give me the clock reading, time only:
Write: 12:15
